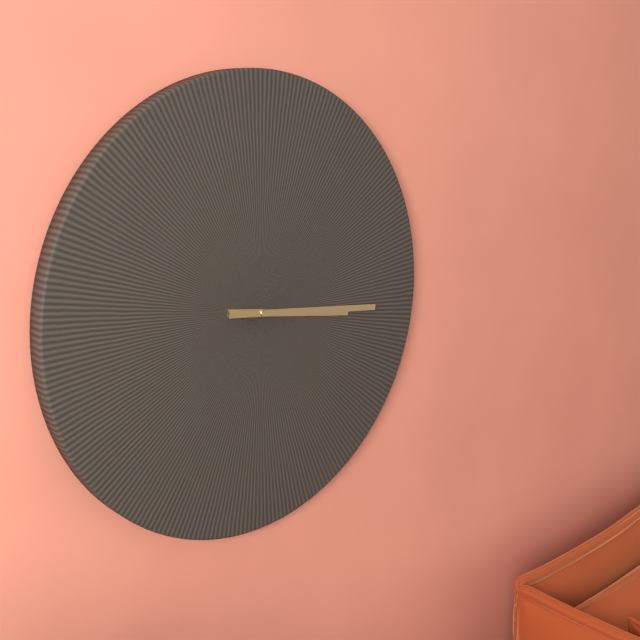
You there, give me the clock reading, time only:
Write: 3:16
